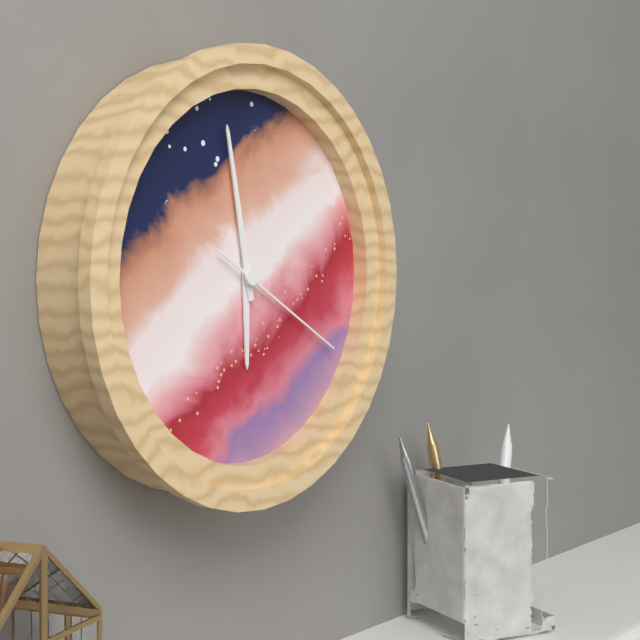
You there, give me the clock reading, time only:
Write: 5:58:20
